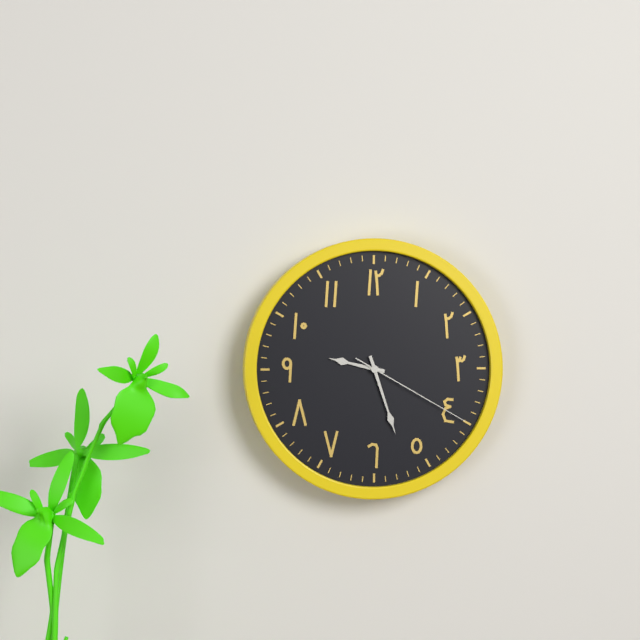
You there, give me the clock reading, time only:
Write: 9:27:20
